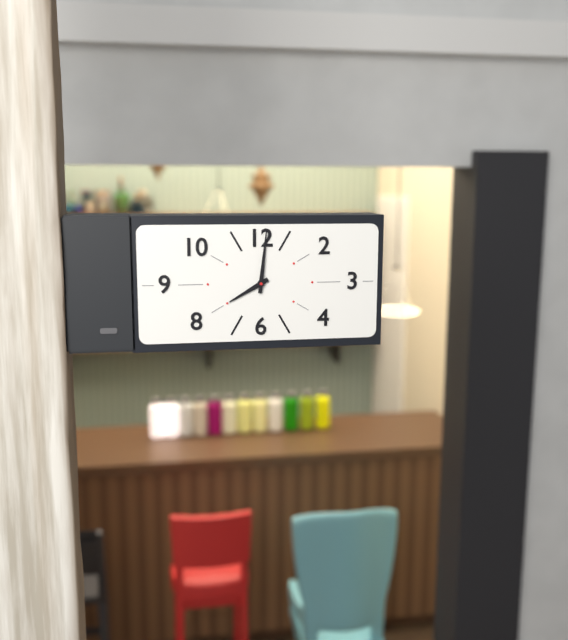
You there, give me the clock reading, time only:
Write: 8:01
